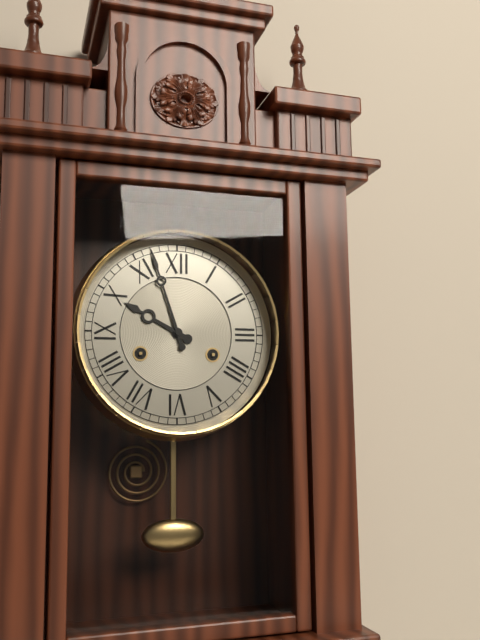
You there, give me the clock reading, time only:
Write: 9:57
